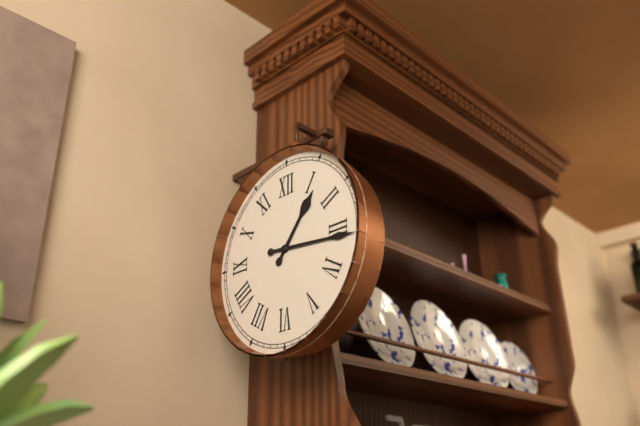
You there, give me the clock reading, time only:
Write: 1:16
